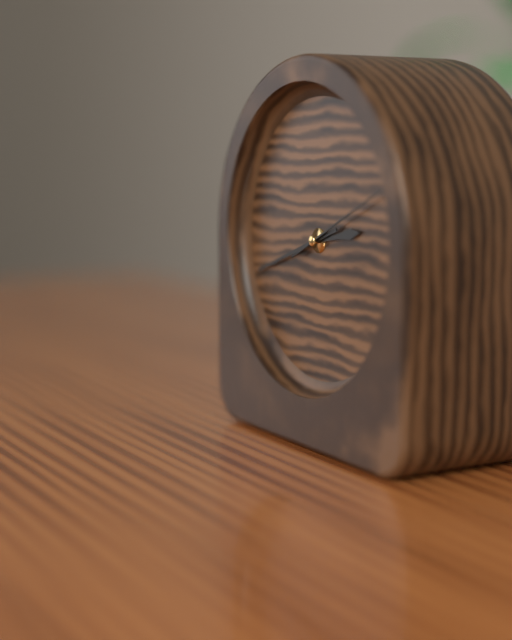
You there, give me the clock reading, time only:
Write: 2:42:11
